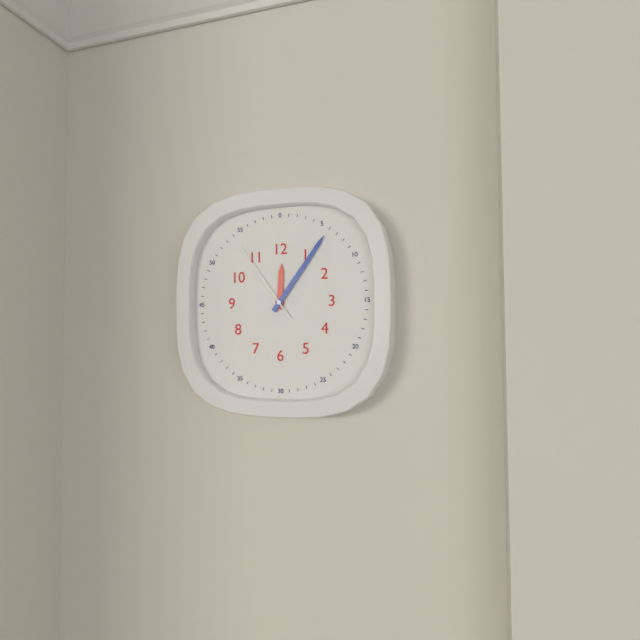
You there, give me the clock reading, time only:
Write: 12:06:54
